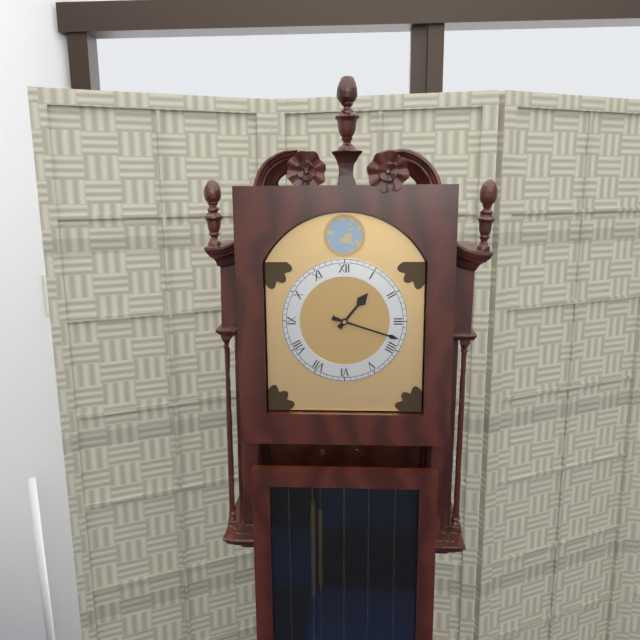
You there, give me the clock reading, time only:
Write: 1:18
